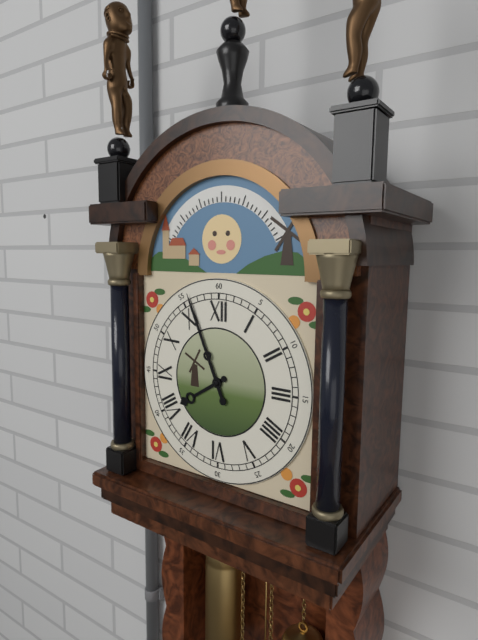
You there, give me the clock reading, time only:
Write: 7:56
